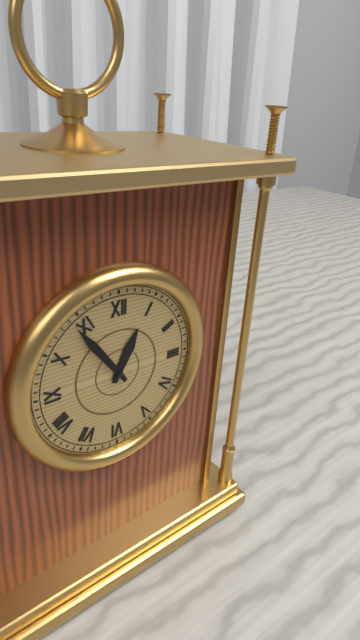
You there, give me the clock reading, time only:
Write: 12:54
